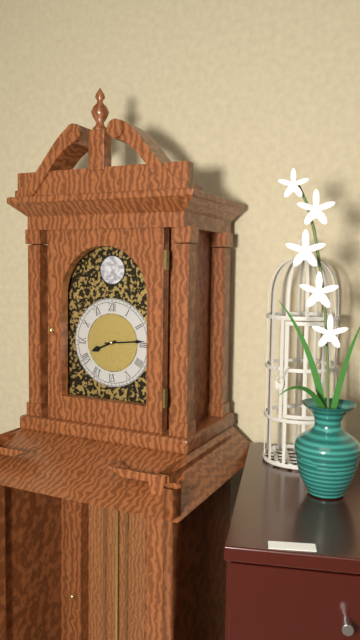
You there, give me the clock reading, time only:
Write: 8:14
